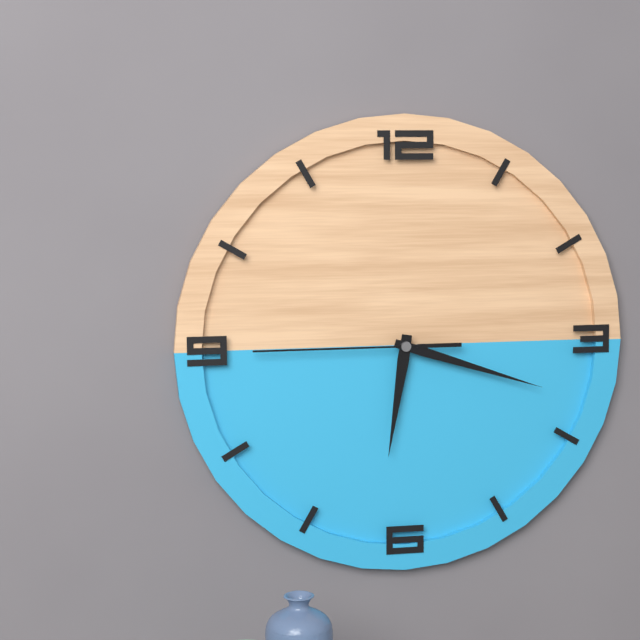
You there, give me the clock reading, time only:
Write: 6:18:45
